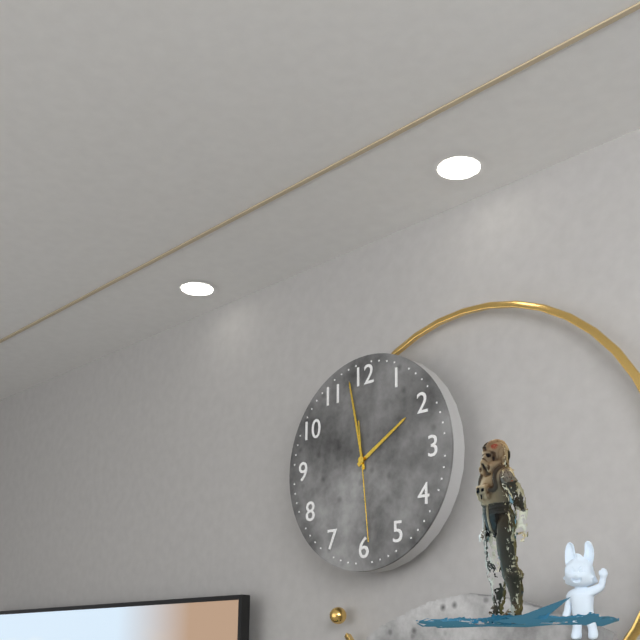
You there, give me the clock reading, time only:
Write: 1:58:29
